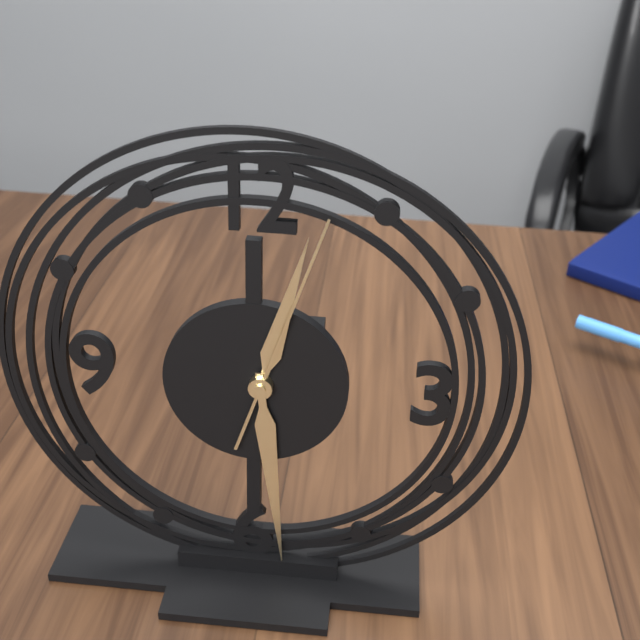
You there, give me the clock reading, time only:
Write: 12:29:03
